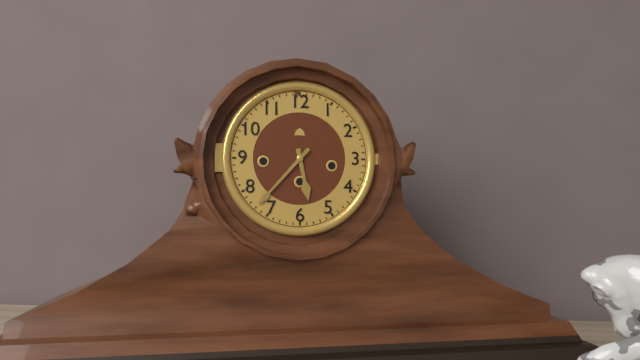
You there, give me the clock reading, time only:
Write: 5:37
